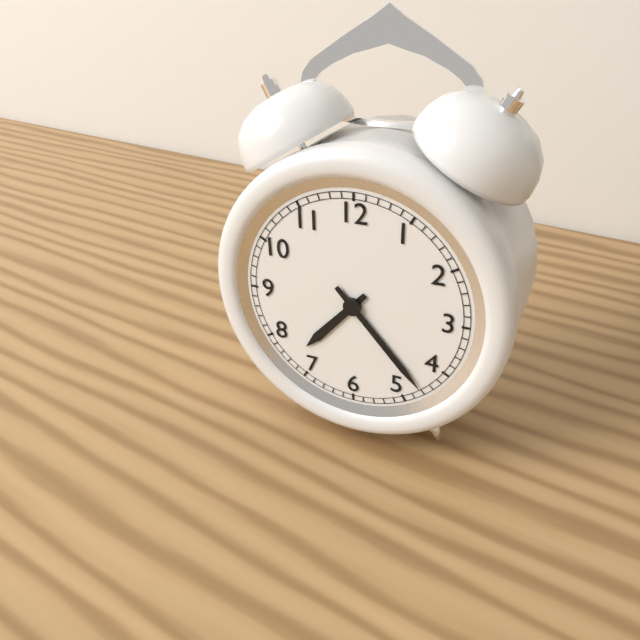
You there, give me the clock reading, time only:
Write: 7:23
